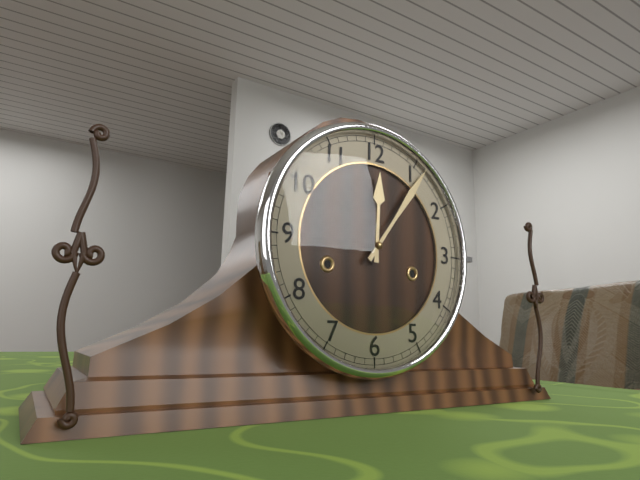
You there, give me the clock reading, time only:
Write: 12:06
